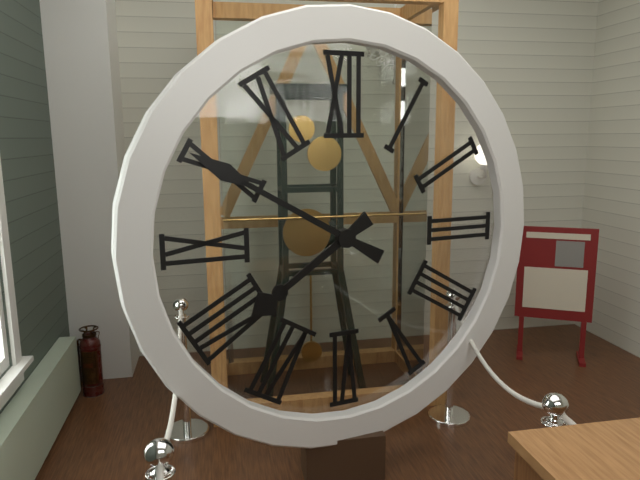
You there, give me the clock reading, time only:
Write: 7:50
